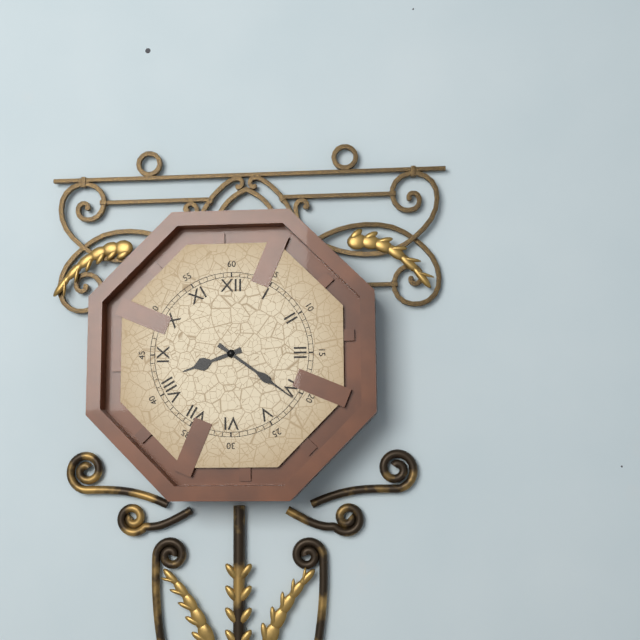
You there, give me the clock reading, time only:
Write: 8:21
